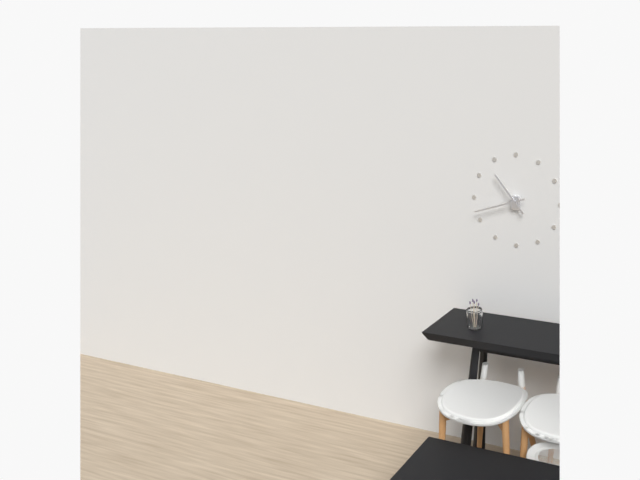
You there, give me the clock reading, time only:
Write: 10:42
